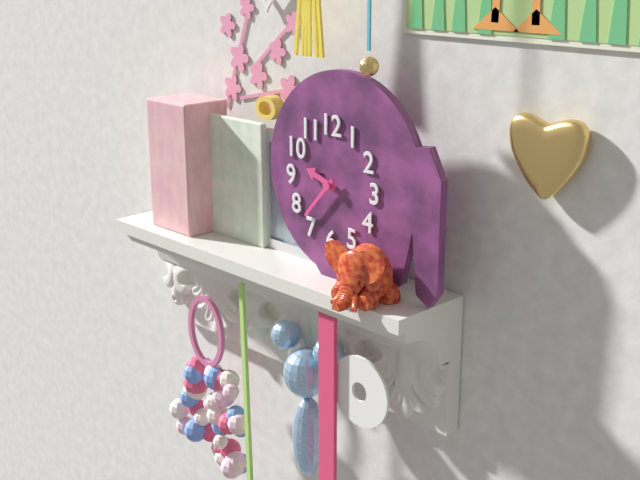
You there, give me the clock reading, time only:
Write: 9:37
